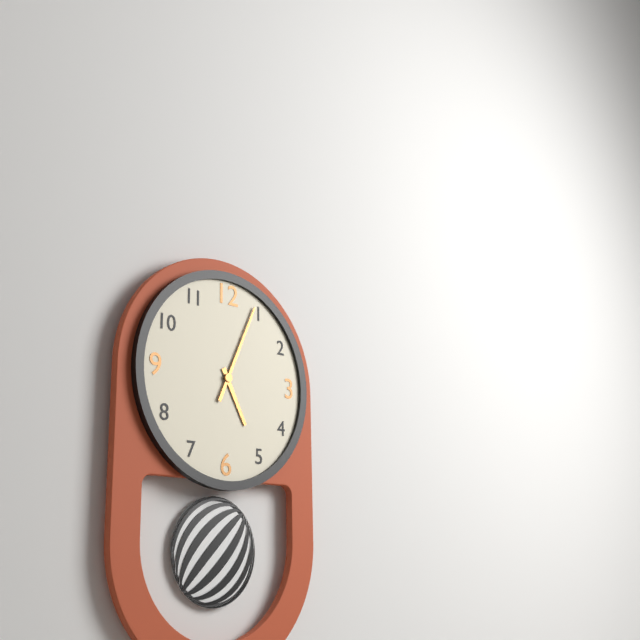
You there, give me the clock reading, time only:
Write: 5:04
